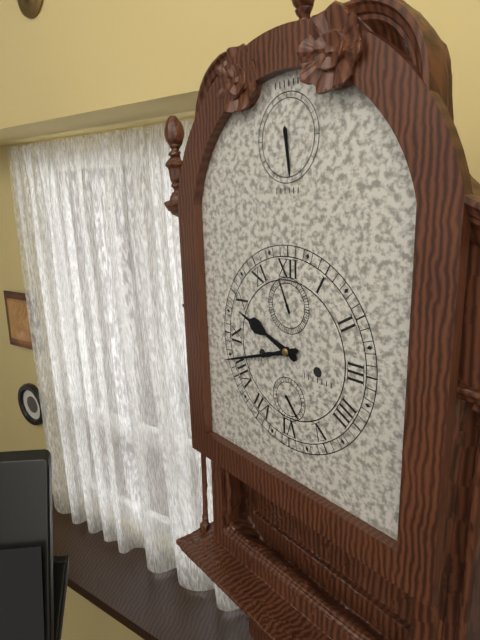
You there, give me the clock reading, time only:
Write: 9:42
